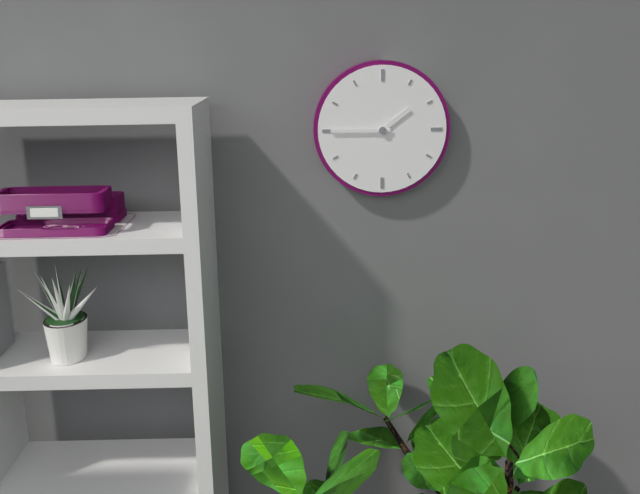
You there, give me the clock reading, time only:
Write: 1:45
